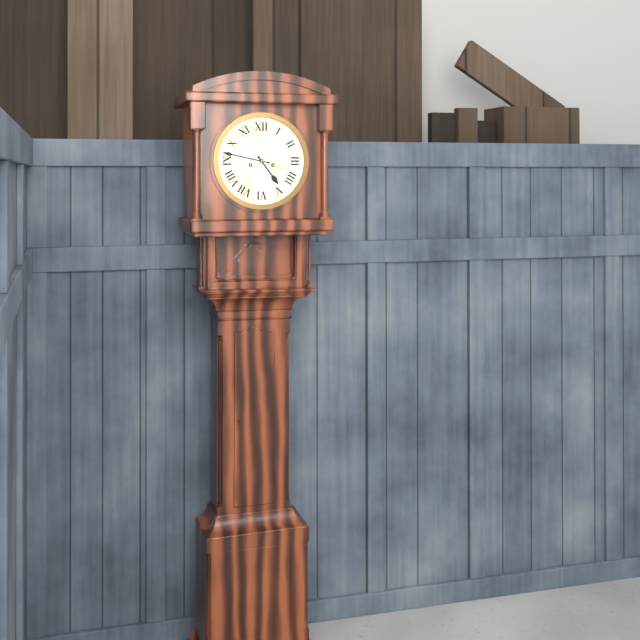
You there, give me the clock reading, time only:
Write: 4:47
